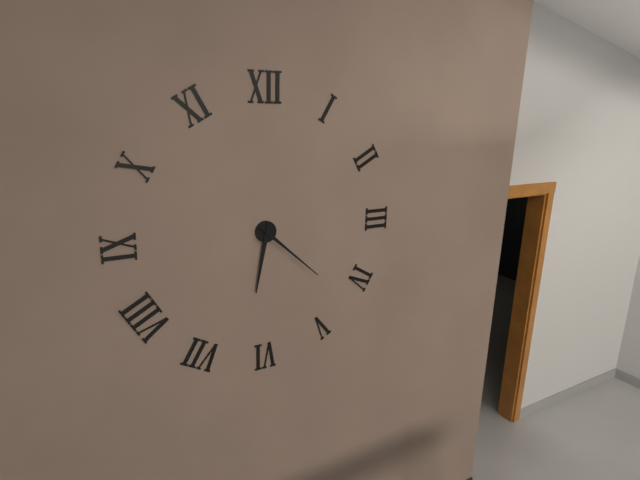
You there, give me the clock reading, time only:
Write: 6:22
